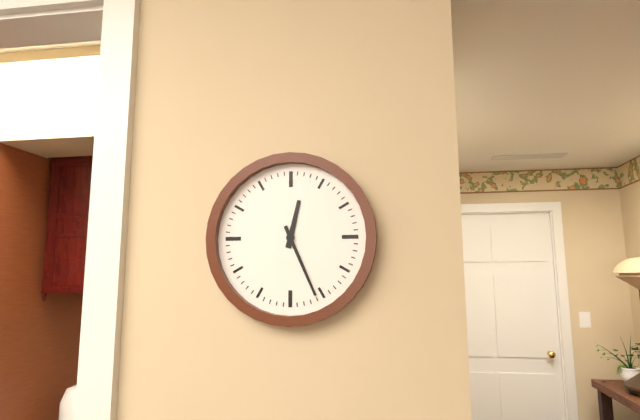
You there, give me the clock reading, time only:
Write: 12:26
